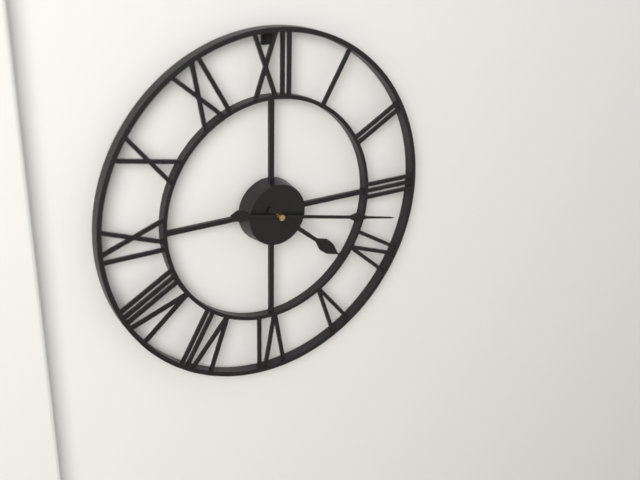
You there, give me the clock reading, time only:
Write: 4:17
